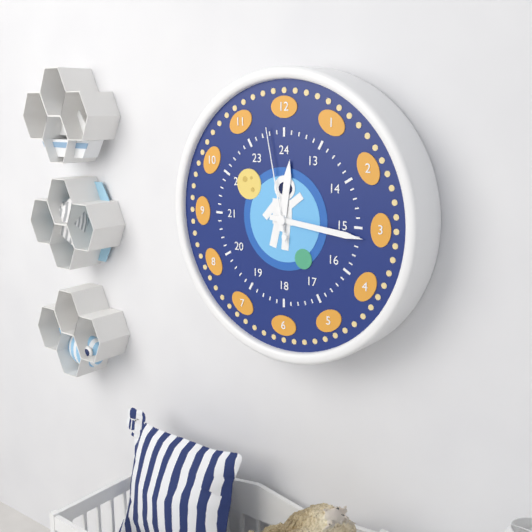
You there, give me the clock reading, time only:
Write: 12:16:58
